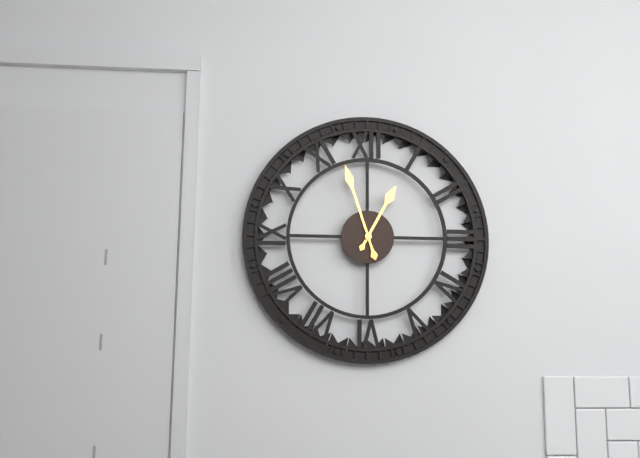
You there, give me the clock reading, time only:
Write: 12:57
